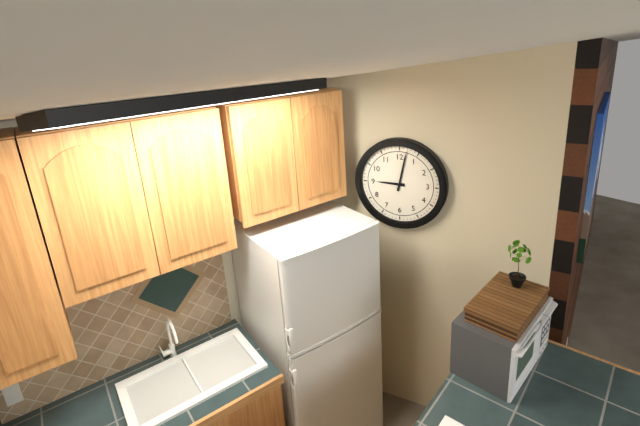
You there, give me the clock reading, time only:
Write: 9:02
